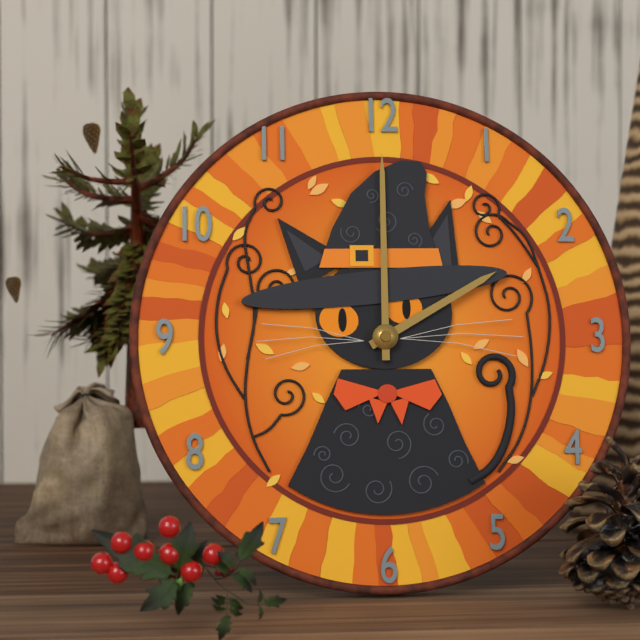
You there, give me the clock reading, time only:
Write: 2:00
